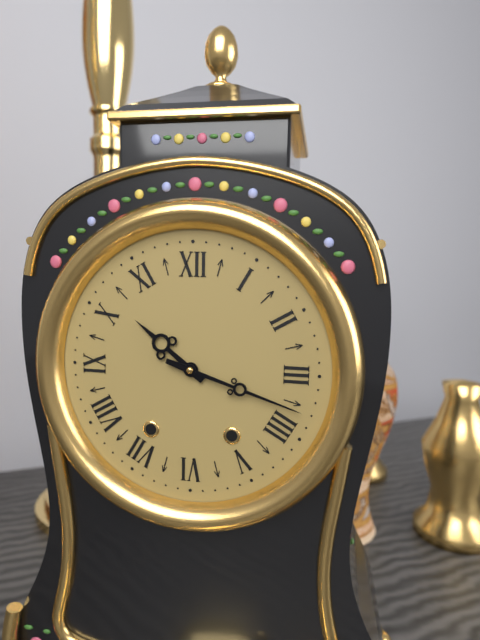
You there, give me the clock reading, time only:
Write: 10:18
